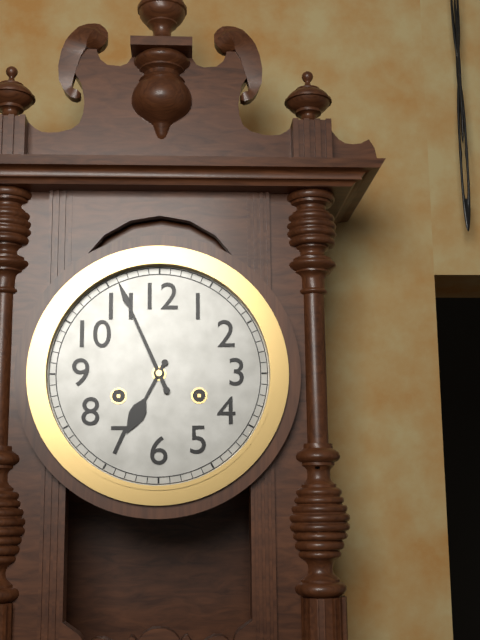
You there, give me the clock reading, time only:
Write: 6:56
